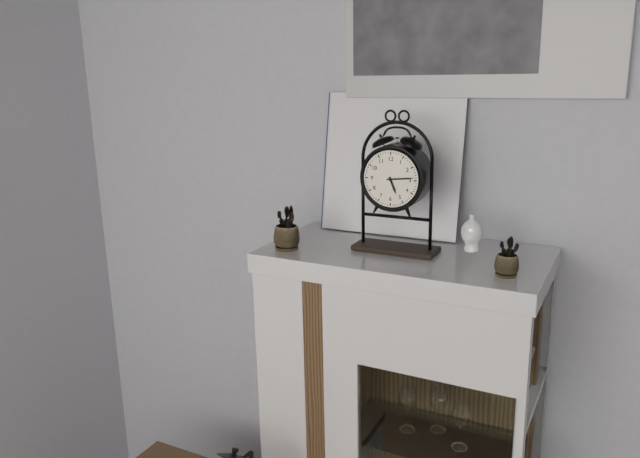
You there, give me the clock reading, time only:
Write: 5:14
